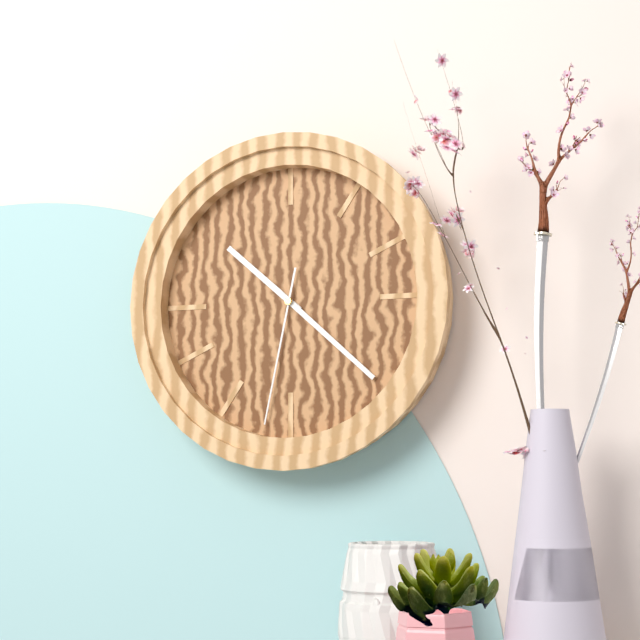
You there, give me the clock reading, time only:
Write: 10:22:32
